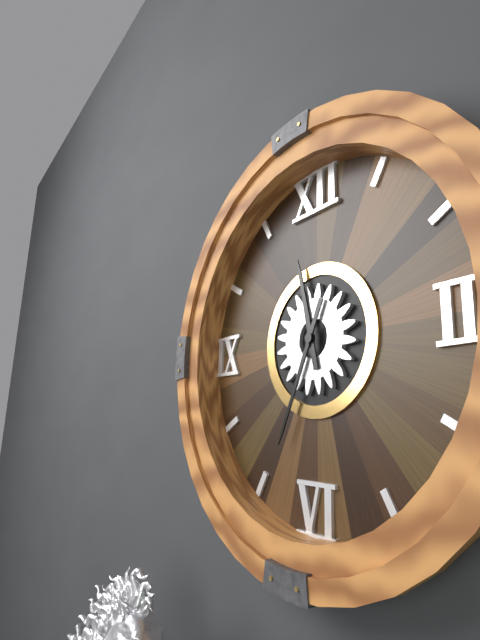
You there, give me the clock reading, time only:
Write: 11:34
